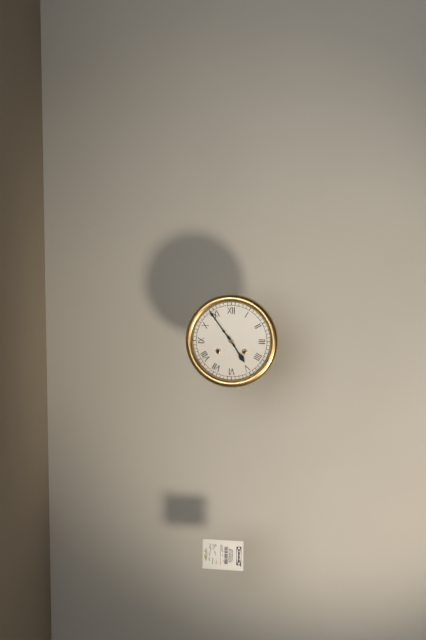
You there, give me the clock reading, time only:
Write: 4:54
